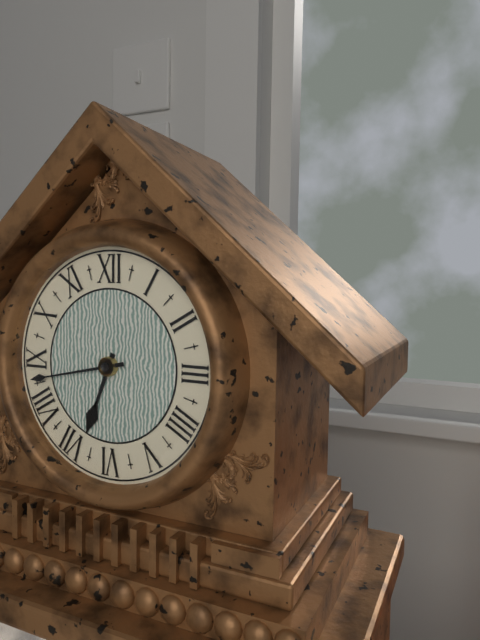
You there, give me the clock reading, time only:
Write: 6:43
